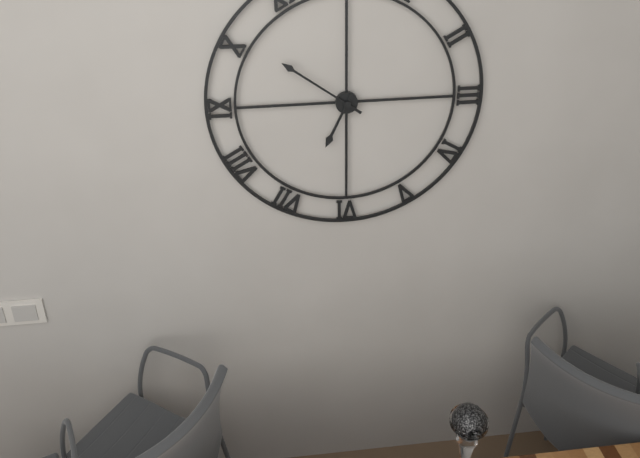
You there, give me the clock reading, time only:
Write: 6:51
